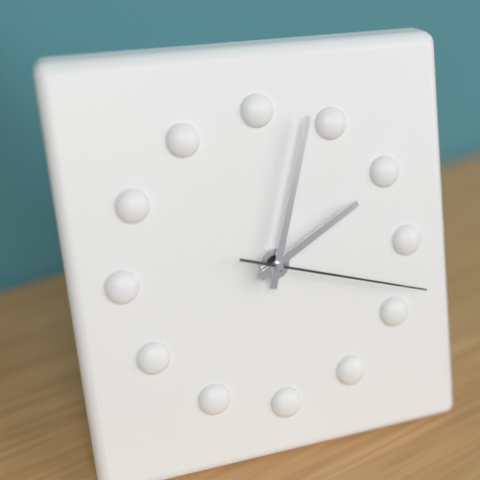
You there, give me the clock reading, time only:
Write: 2:03:18
